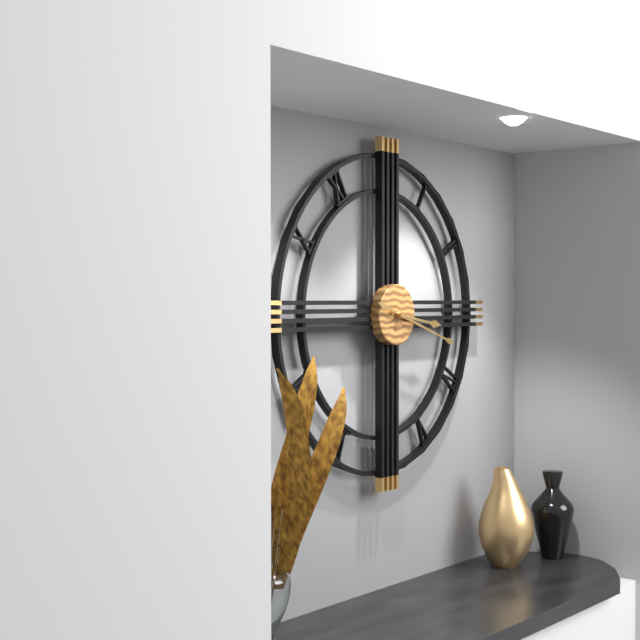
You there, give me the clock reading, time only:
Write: 3:18
